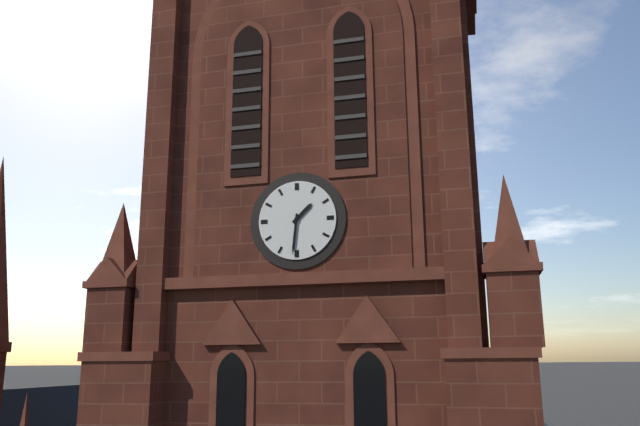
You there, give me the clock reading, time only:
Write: 1:31
